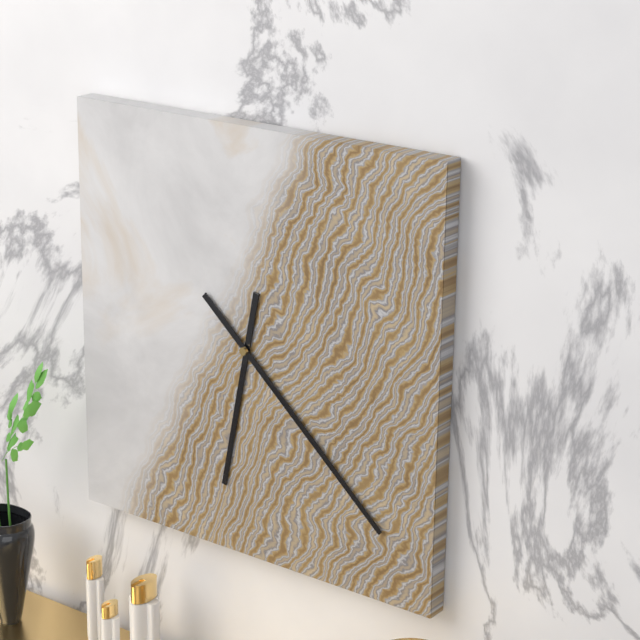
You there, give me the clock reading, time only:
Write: 6:22
